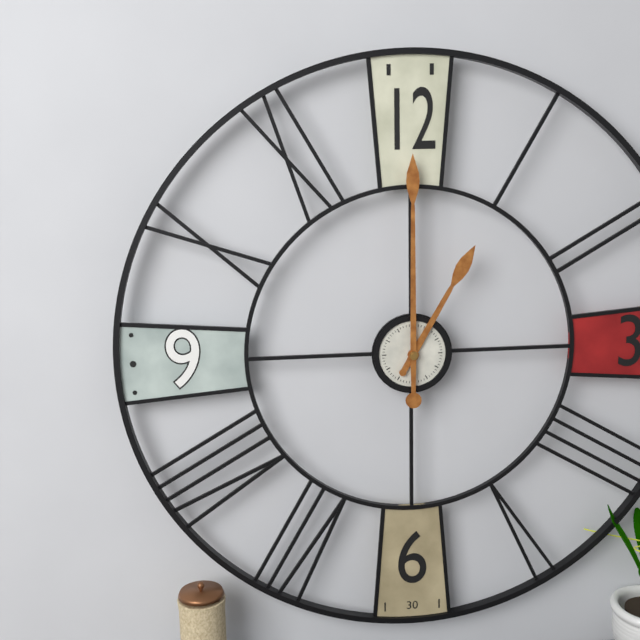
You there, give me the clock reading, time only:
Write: 1:00
